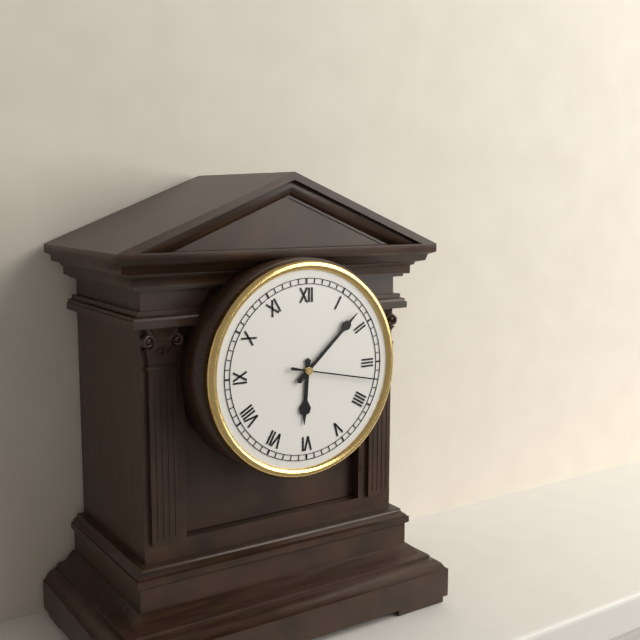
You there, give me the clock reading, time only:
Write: 6:08:17
